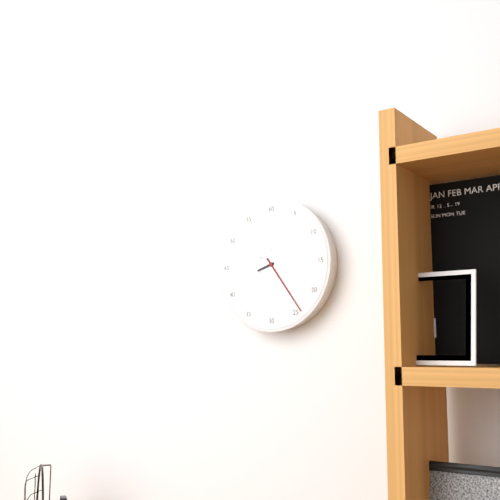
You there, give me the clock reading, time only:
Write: 8:24
